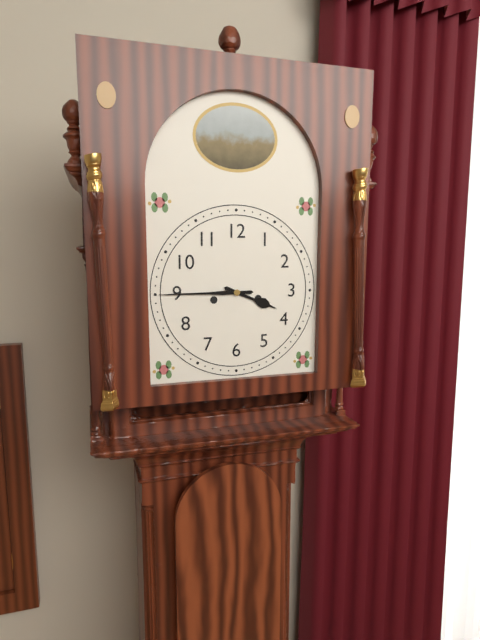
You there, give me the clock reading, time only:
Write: 3:45
